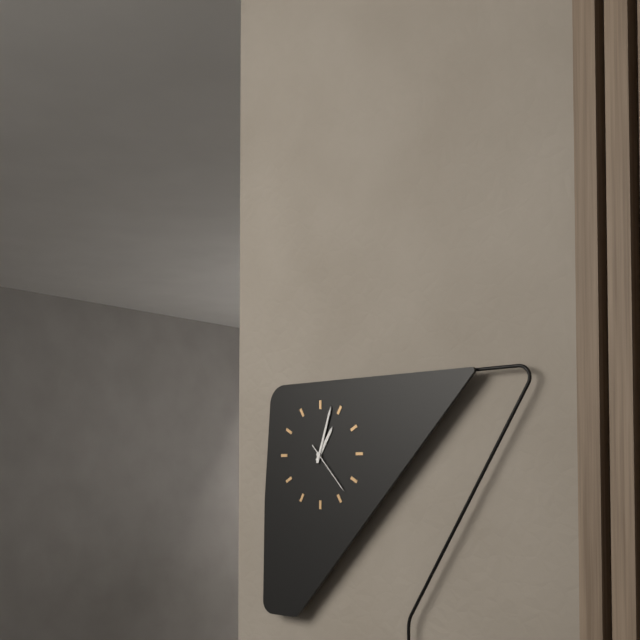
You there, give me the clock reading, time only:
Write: 1:03
